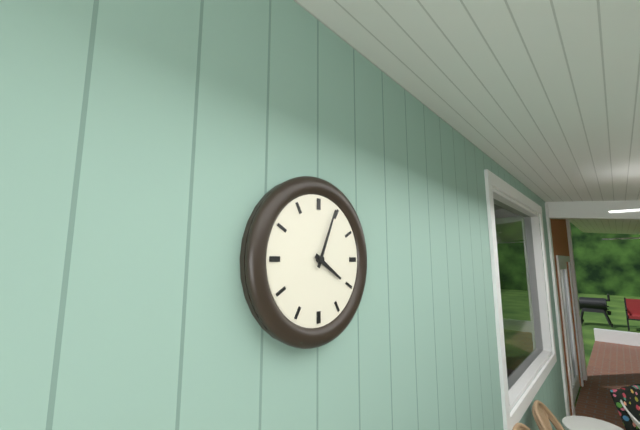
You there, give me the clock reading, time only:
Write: 4:04
